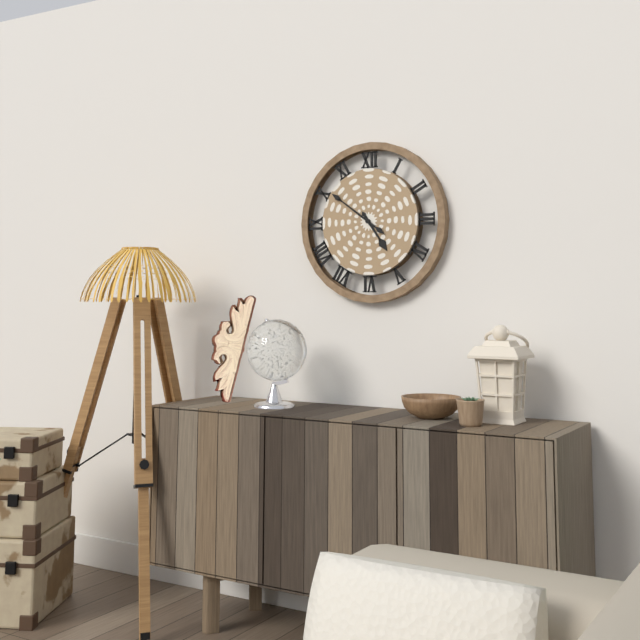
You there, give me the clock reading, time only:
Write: 4:51
